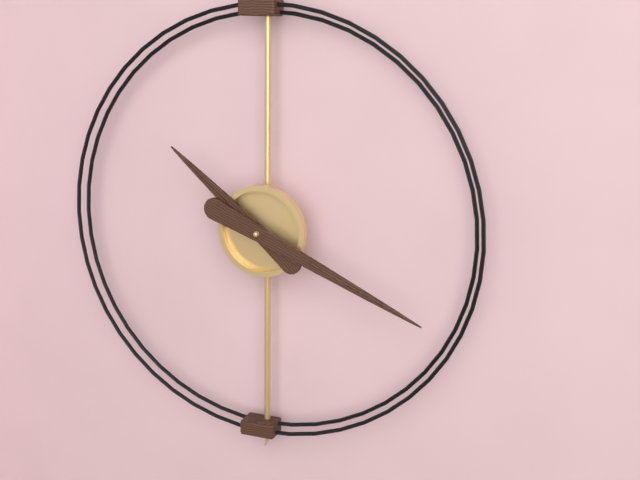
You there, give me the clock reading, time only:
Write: 10:19
